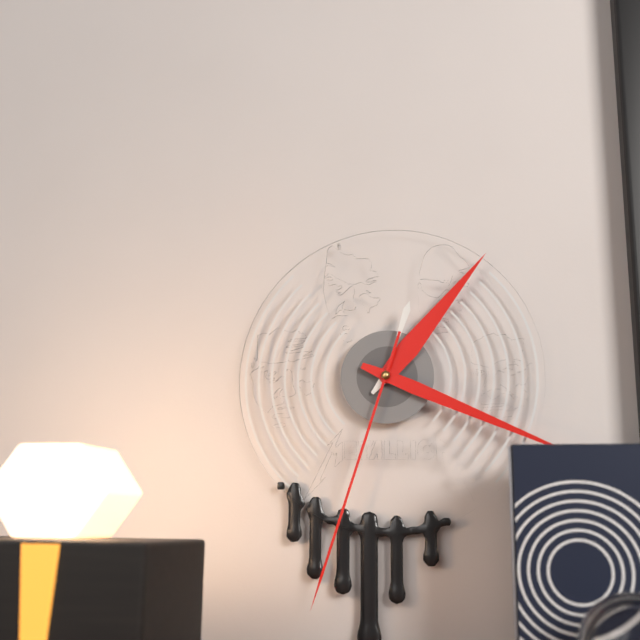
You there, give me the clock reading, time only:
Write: 1:19:33
